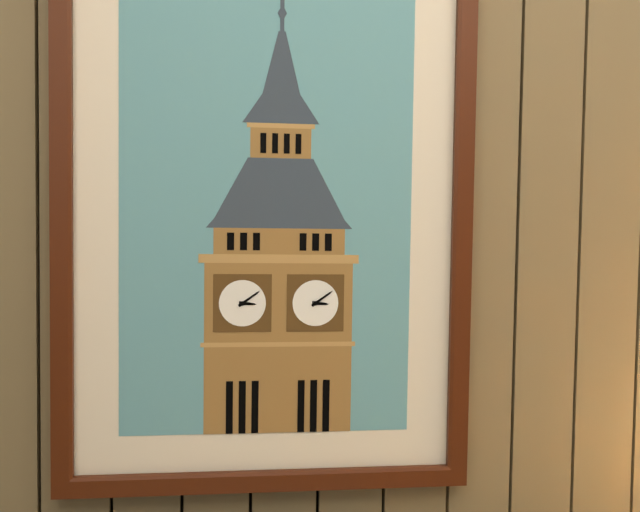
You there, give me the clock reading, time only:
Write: 3:09
